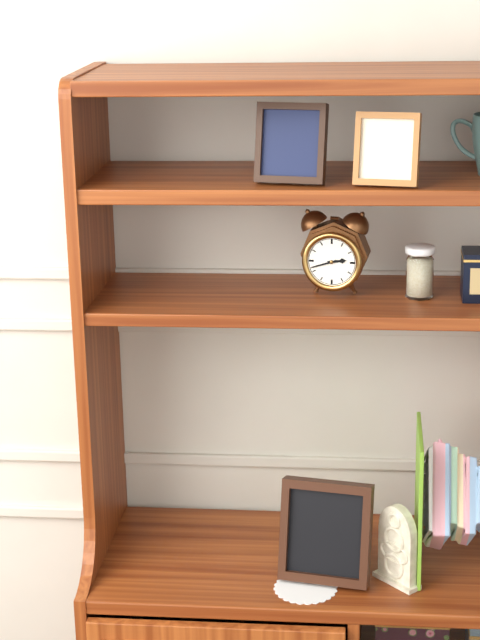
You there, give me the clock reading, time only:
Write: 2:42
